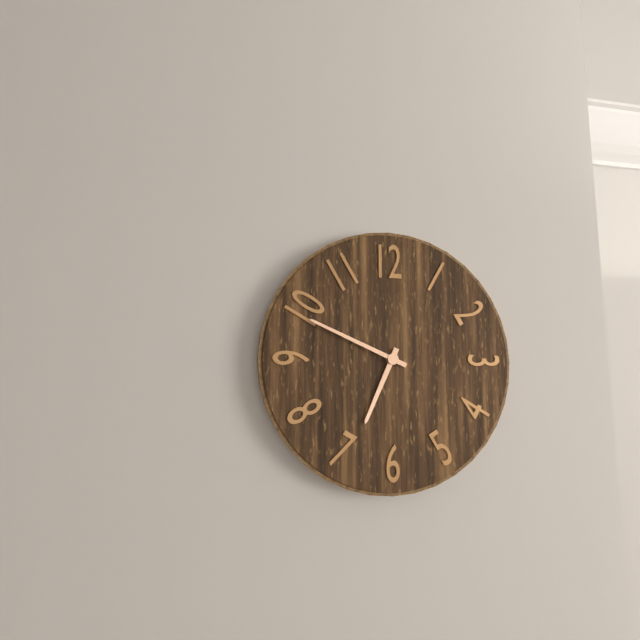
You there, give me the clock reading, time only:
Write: 6:49
